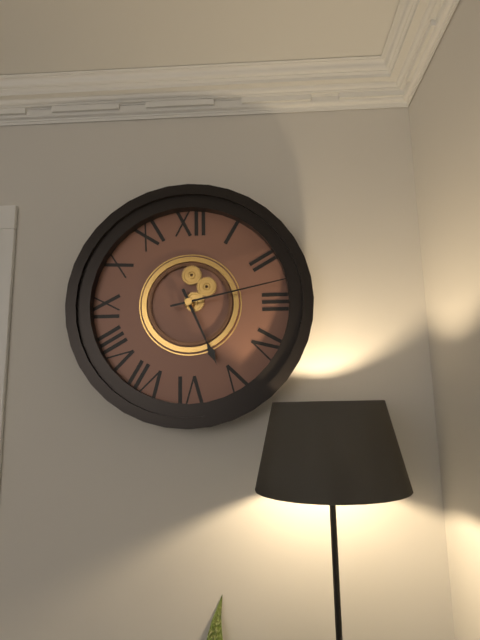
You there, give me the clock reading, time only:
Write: 5:13
